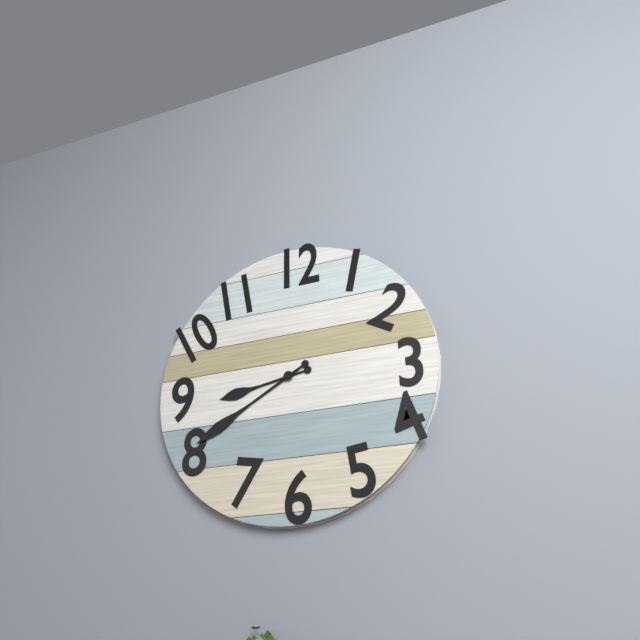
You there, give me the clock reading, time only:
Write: 8:40
